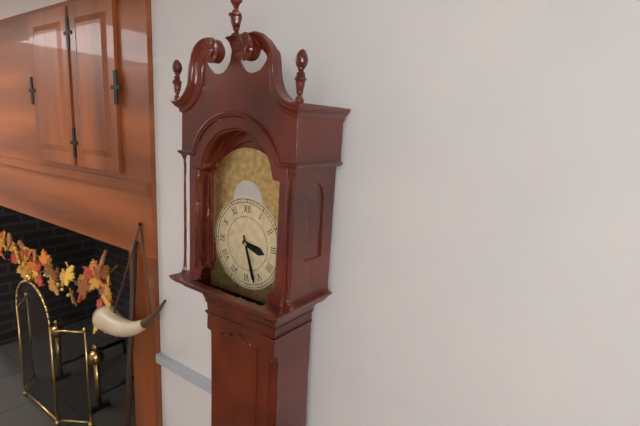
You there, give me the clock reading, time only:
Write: 3:27
